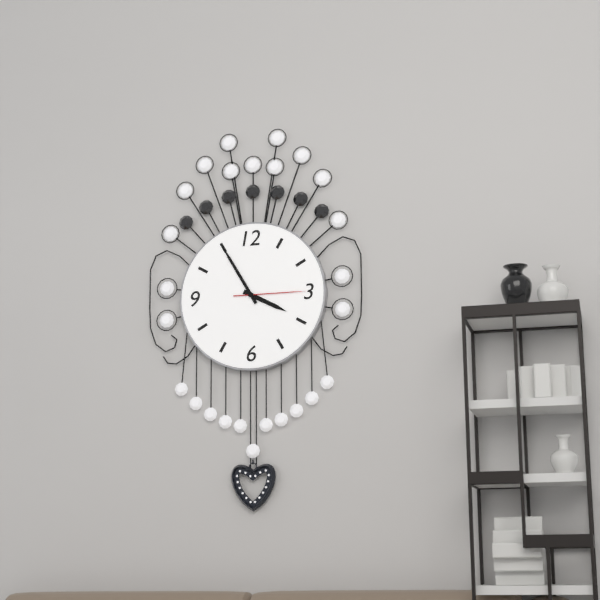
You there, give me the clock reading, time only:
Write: 3:55:15
